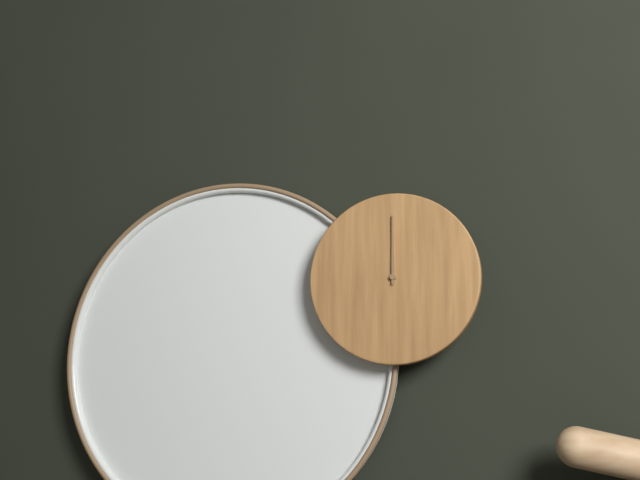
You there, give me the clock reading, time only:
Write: 12:00
